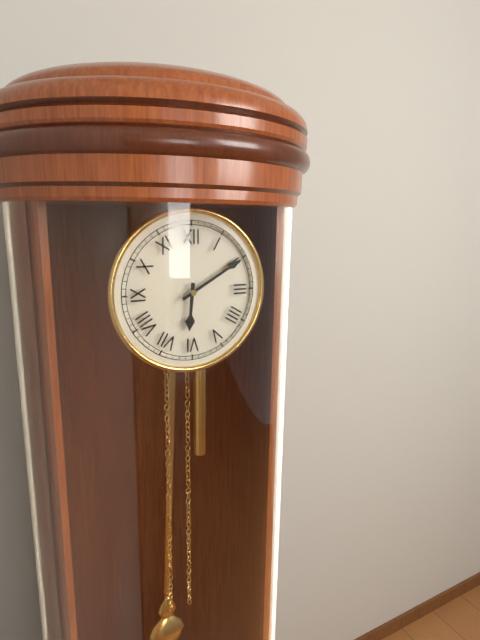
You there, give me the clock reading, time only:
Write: 6:10
